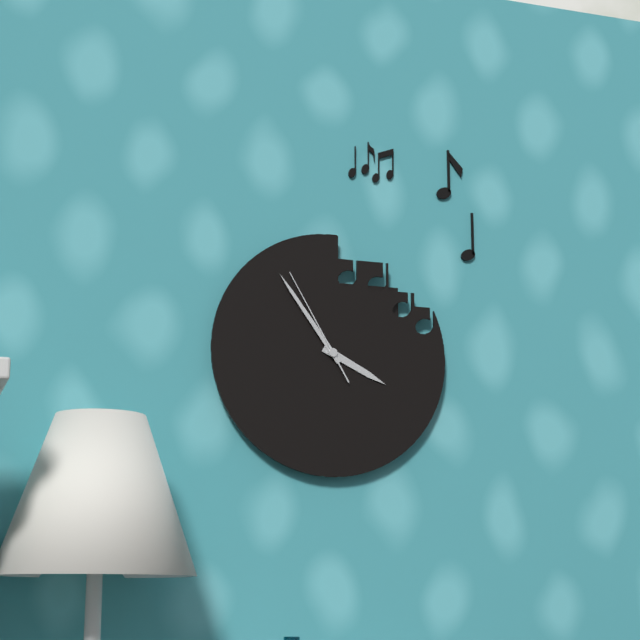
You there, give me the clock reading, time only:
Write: 3:54:55
